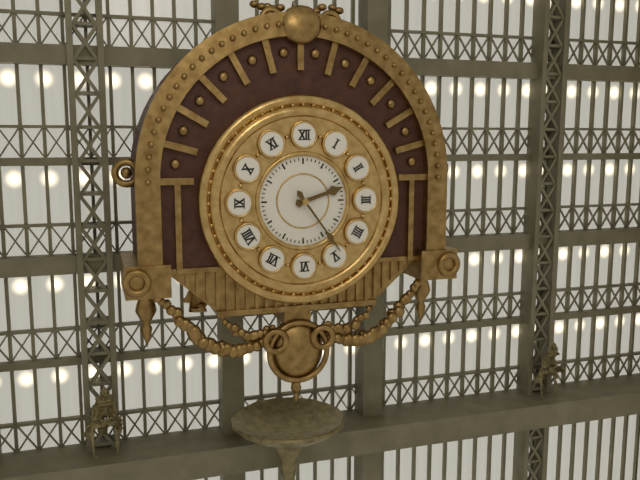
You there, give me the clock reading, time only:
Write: 2:24
